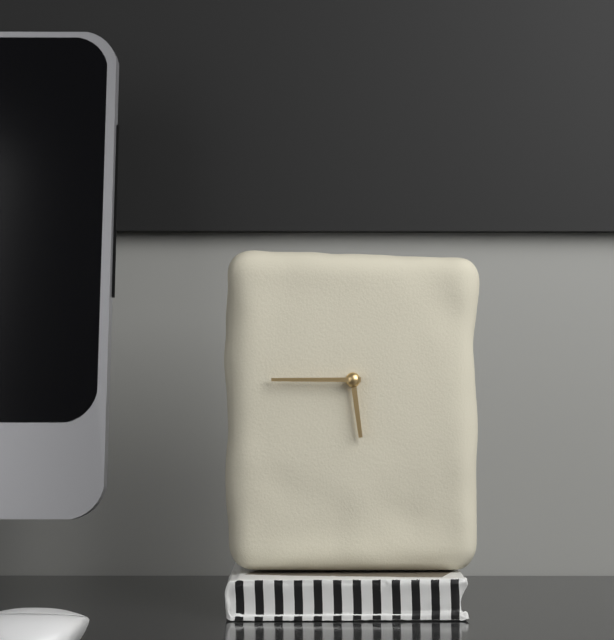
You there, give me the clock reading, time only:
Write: 5:45
